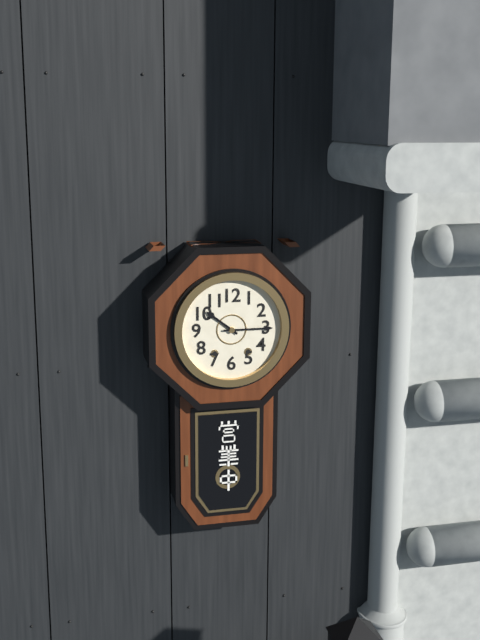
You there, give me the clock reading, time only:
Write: 10:15
